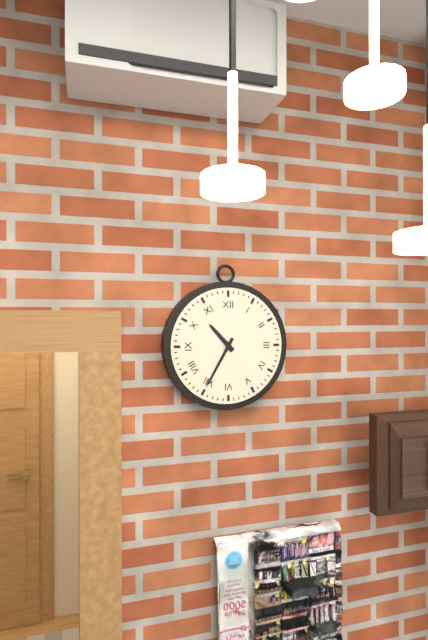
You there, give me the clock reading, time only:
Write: 10:35
